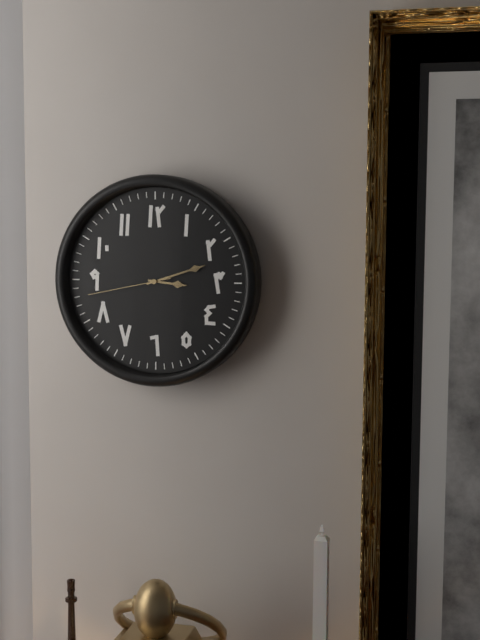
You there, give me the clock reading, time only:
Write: 3:12:43
